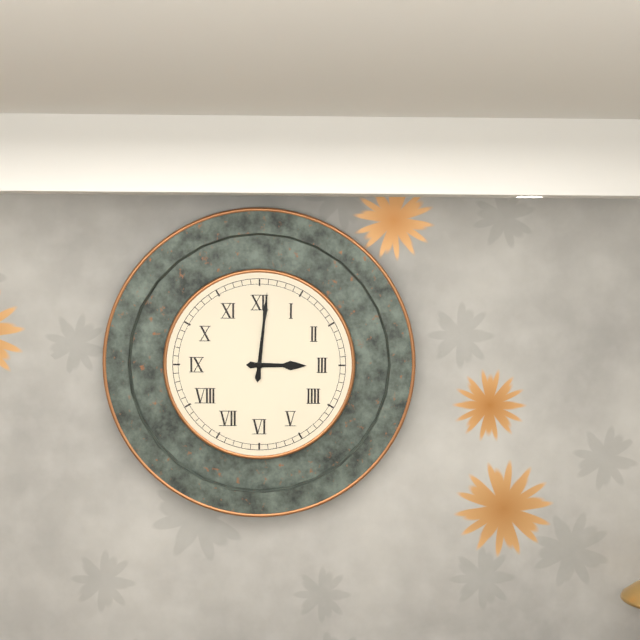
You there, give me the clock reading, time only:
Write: 3:01
